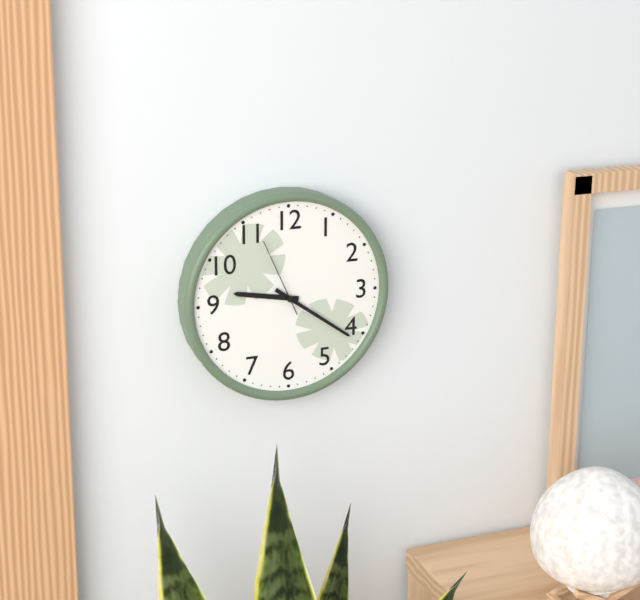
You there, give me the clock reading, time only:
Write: 9:21:56
